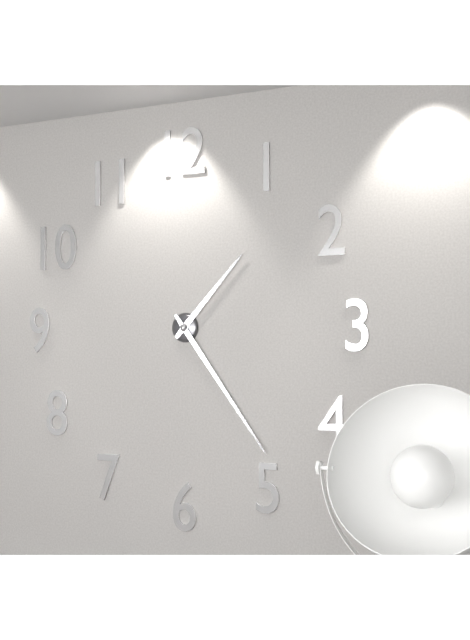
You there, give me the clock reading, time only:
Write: 1:24
